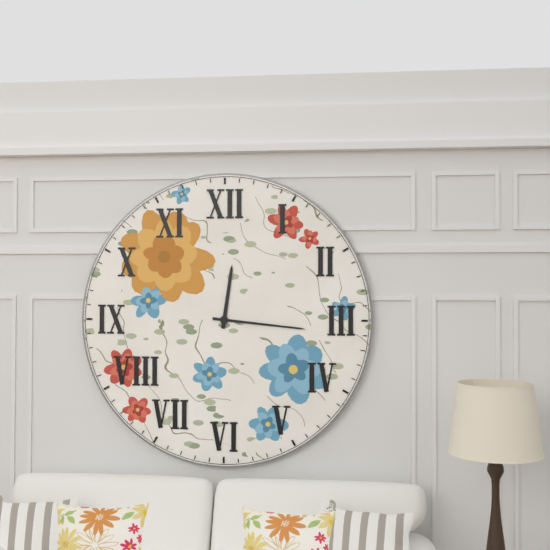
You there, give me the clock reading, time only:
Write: 12:16
